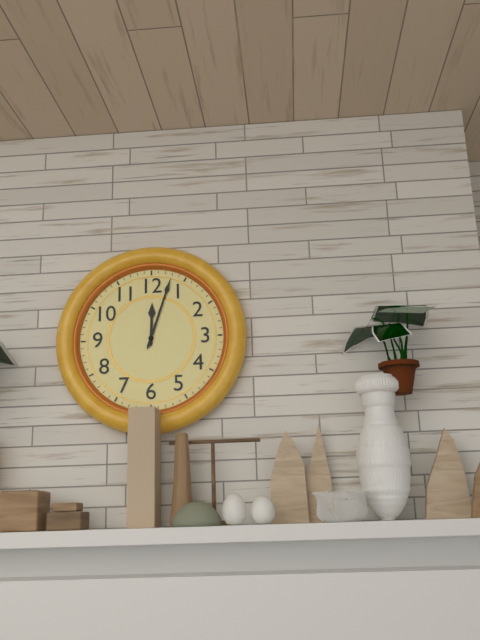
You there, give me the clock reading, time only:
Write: 12:03
